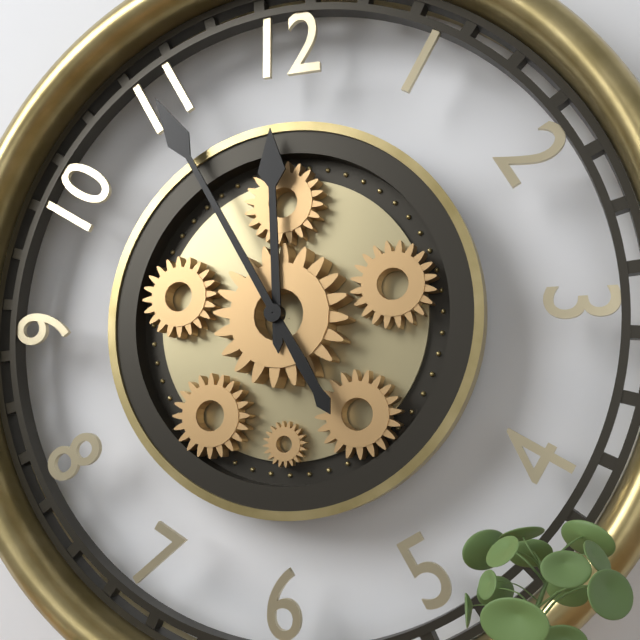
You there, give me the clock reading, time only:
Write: 11:55
